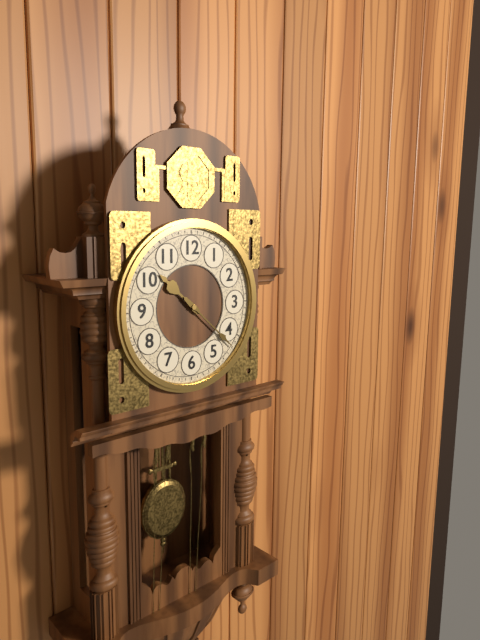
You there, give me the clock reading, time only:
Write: 10:22
